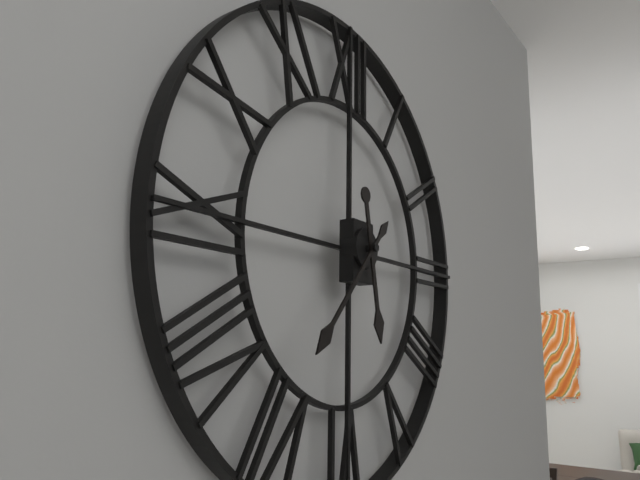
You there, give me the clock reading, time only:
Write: 5:37
